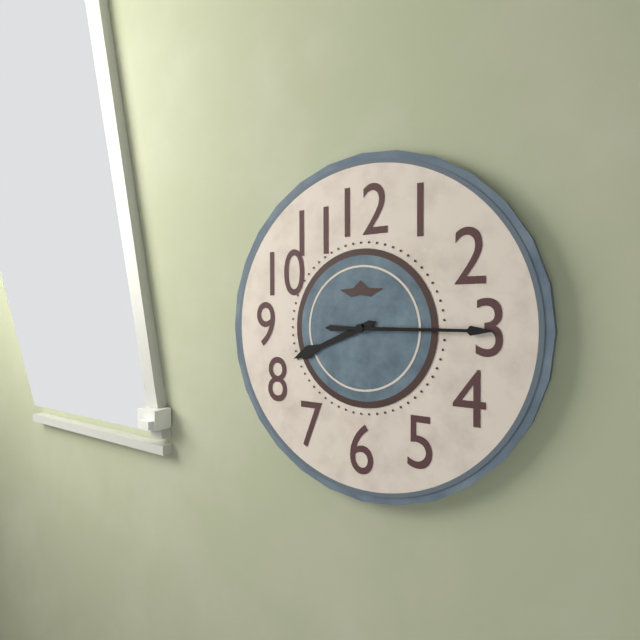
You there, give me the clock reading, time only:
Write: 8:15
